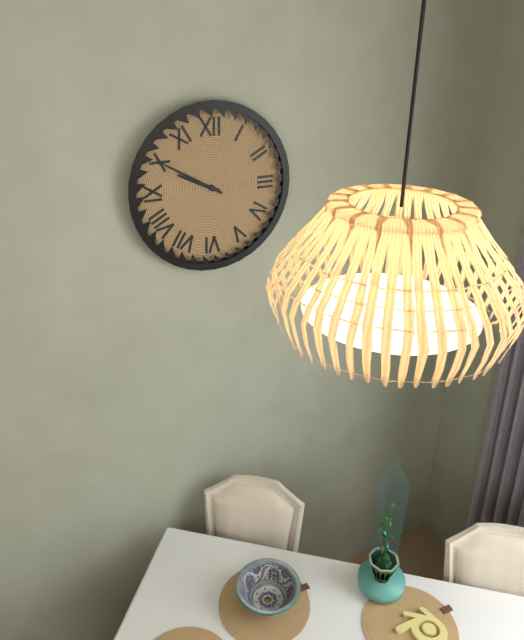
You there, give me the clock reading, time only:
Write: 9:50
